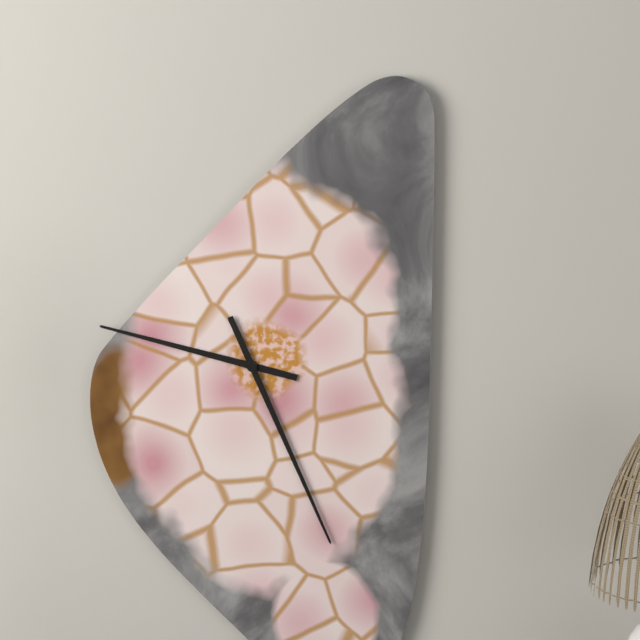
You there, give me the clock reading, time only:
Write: 9:26
